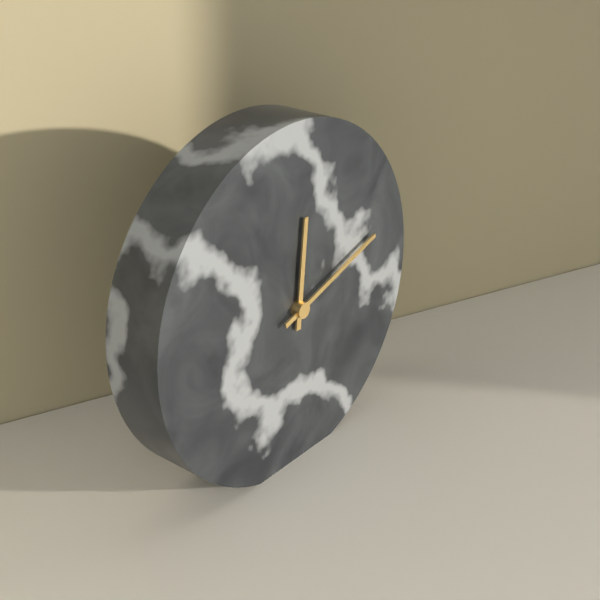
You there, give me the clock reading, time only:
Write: 12:12
